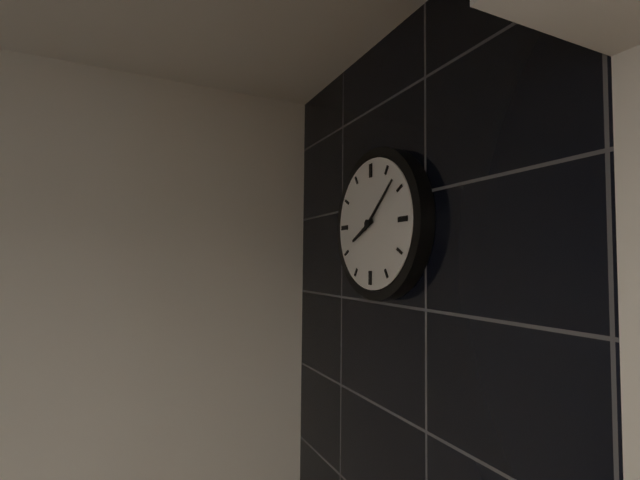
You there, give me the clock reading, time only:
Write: 8:08
